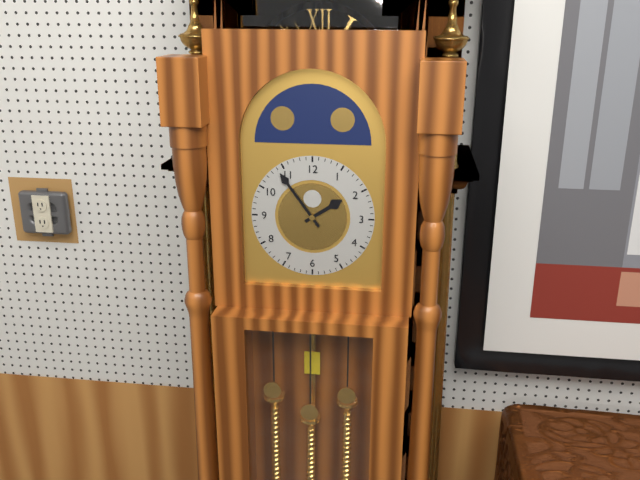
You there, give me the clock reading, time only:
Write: 1:54
